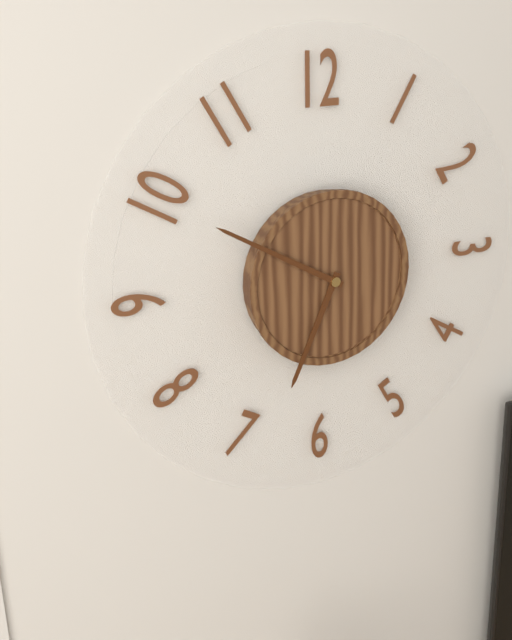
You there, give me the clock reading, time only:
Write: 6:50
